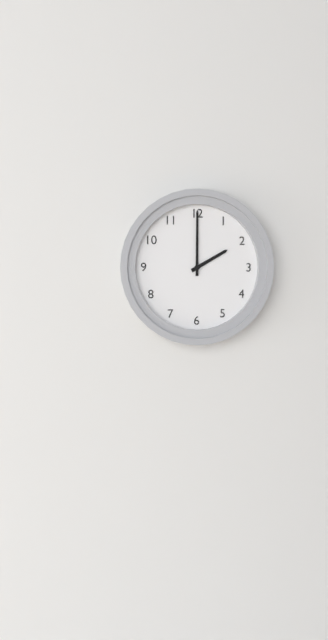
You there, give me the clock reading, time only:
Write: 2:00
